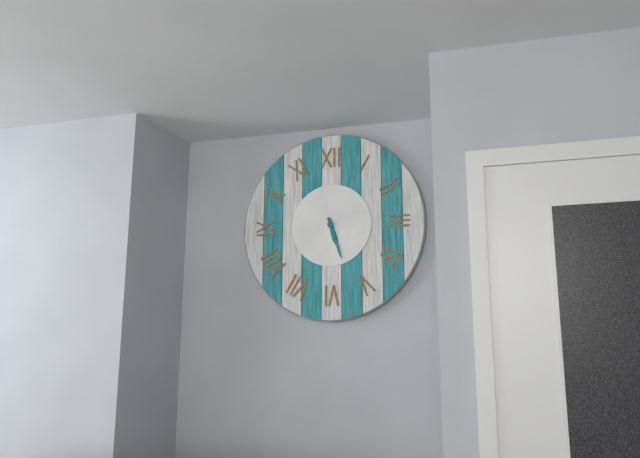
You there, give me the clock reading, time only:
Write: 5:27
